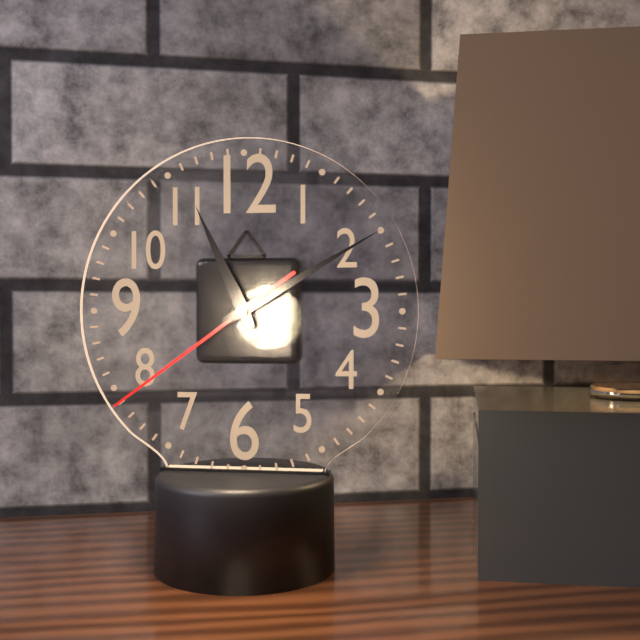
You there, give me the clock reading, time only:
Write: 11:10:39
